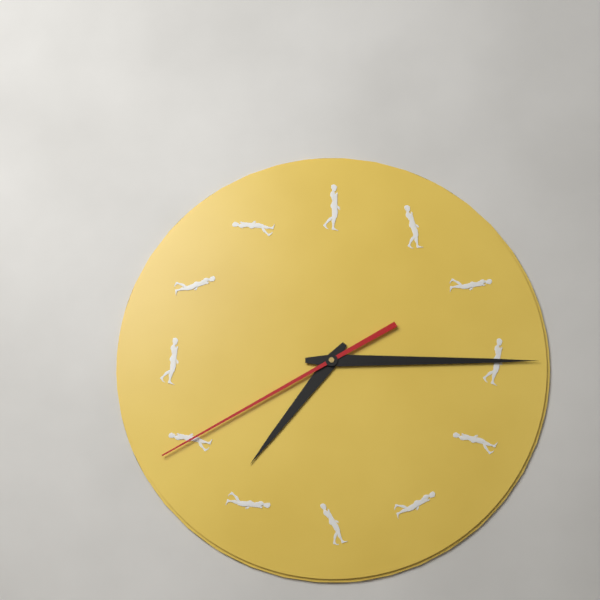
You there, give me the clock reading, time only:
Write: 7:15:40
